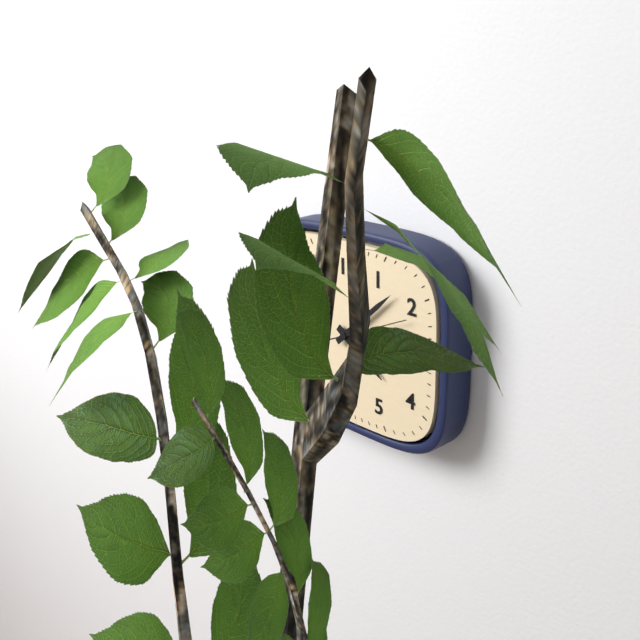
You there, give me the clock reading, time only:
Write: 4:08
